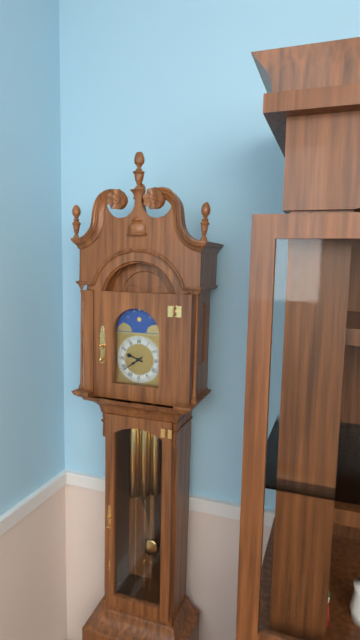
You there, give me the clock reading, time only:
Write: 9:39
